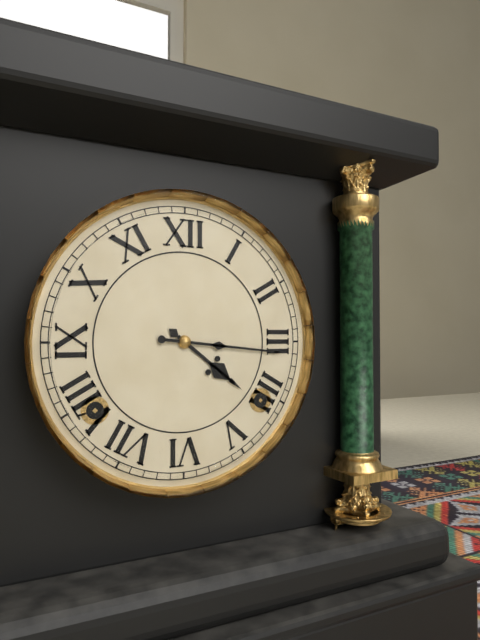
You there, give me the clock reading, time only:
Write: 4:16
